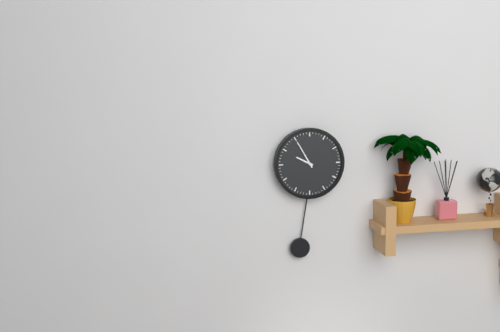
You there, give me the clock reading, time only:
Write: 9:55
